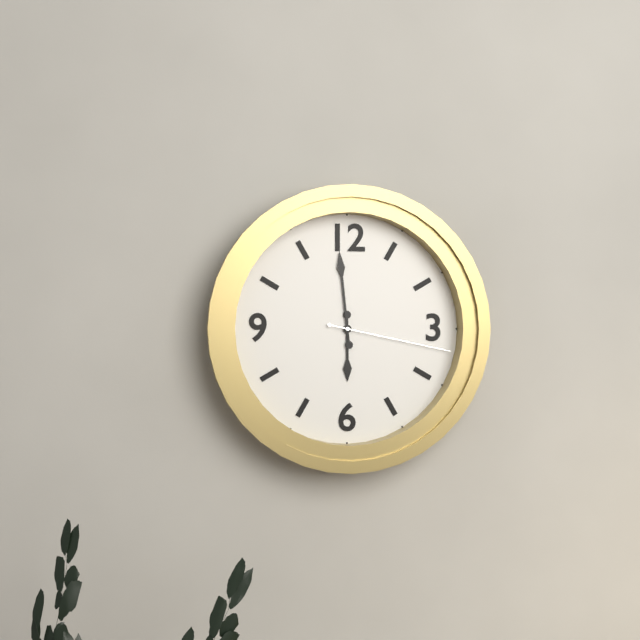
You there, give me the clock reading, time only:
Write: 5:59:17
